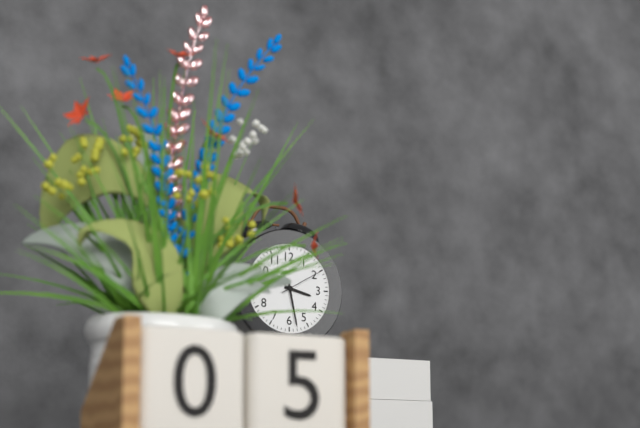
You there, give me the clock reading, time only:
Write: 3:28
